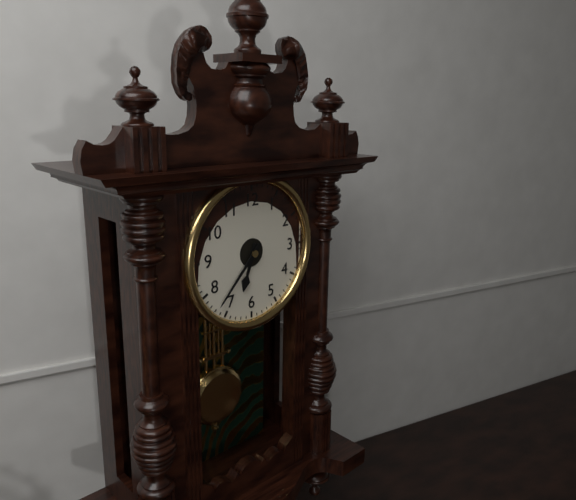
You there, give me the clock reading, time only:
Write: 6:37
